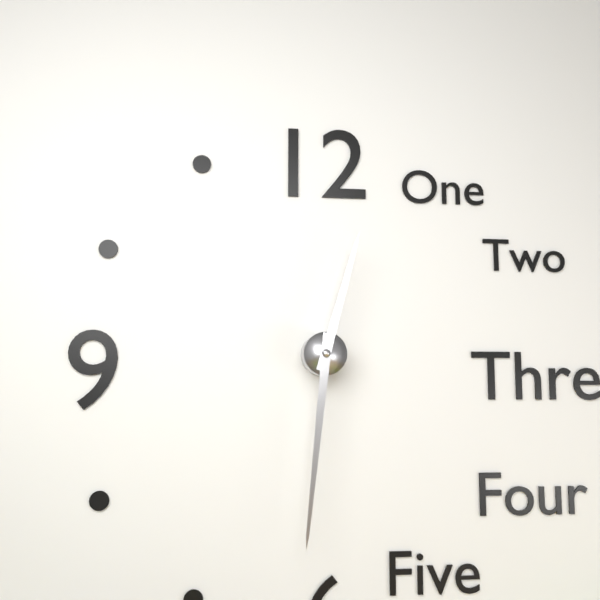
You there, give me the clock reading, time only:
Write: 12:31
